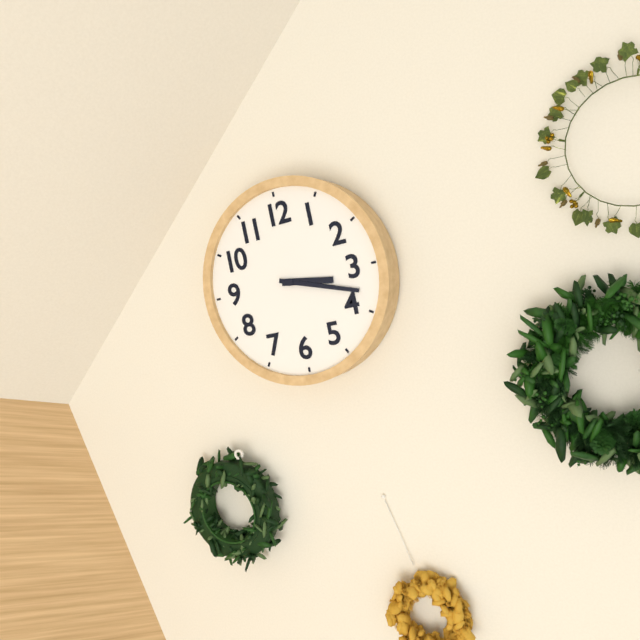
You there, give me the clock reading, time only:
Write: 3:18
